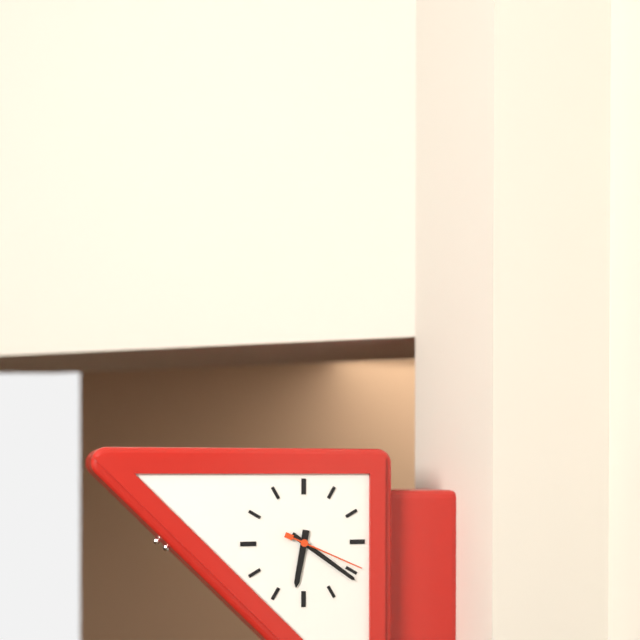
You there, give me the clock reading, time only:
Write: 6:21:19
